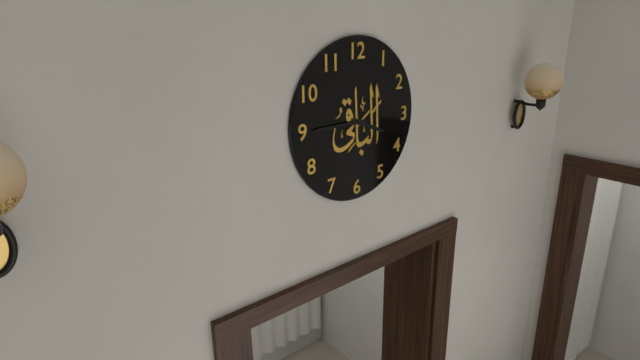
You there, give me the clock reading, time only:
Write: 3:45
